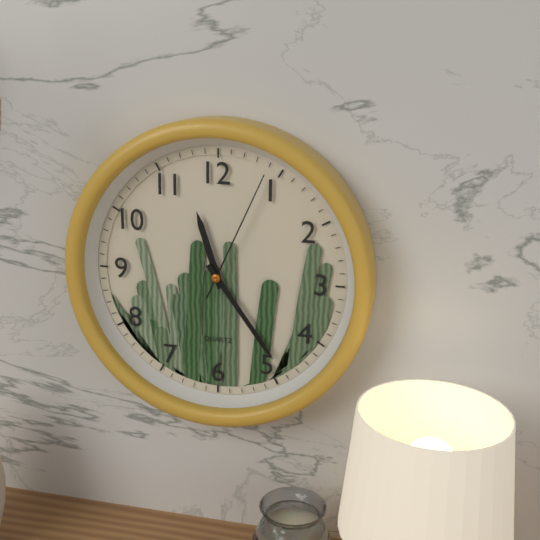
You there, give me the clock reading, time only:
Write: 11:24:04
